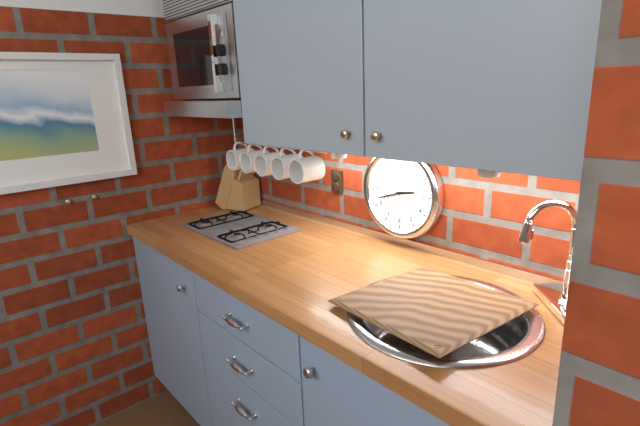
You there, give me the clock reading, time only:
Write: 2:42
